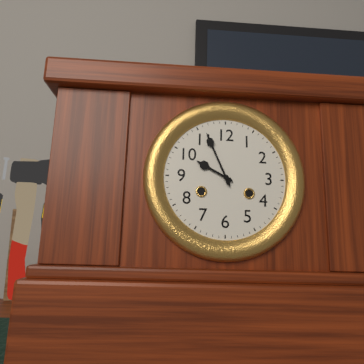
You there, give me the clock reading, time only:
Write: 9:56
